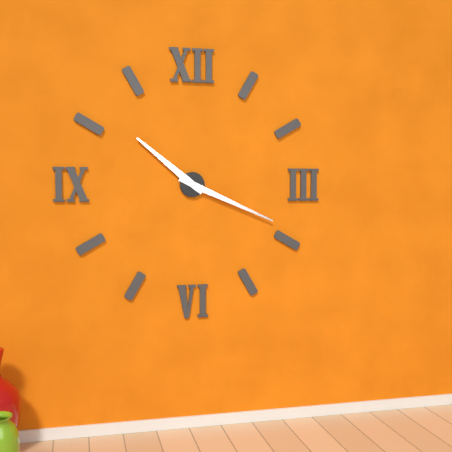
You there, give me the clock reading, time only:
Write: 10:19
